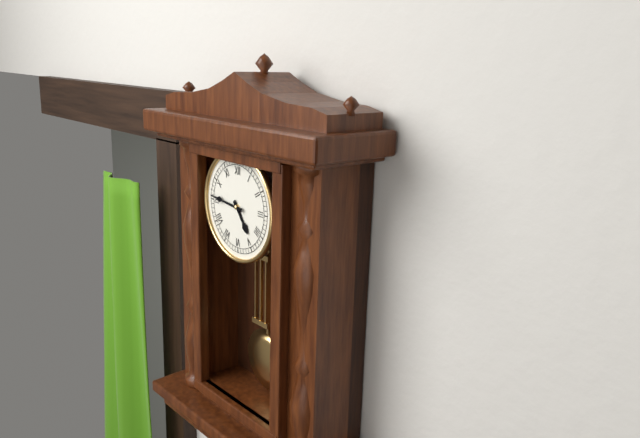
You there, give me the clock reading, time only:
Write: 4:46
